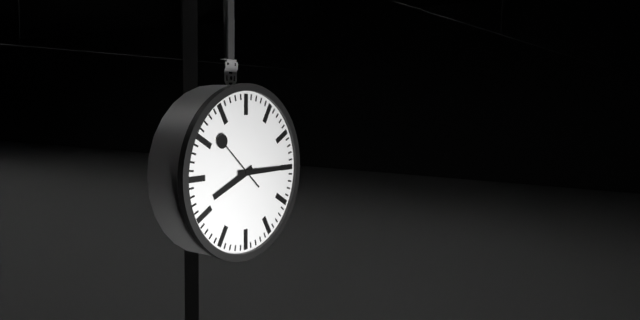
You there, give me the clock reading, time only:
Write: 8:15:52
